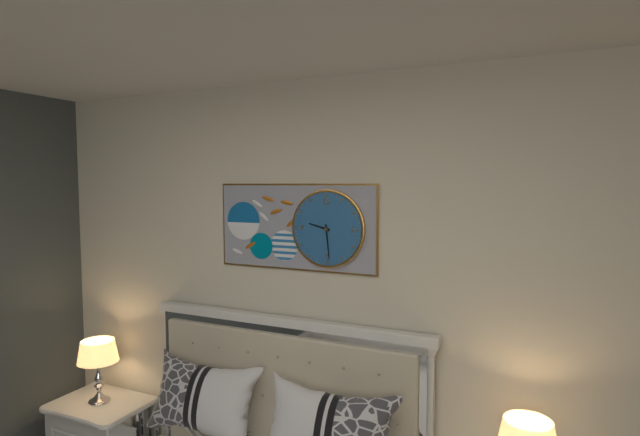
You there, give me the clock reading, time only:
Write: 9:29
